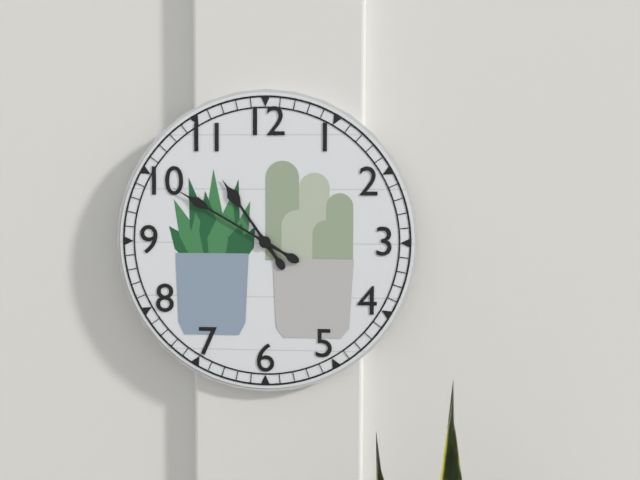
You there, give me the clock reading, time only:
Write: 10:50
